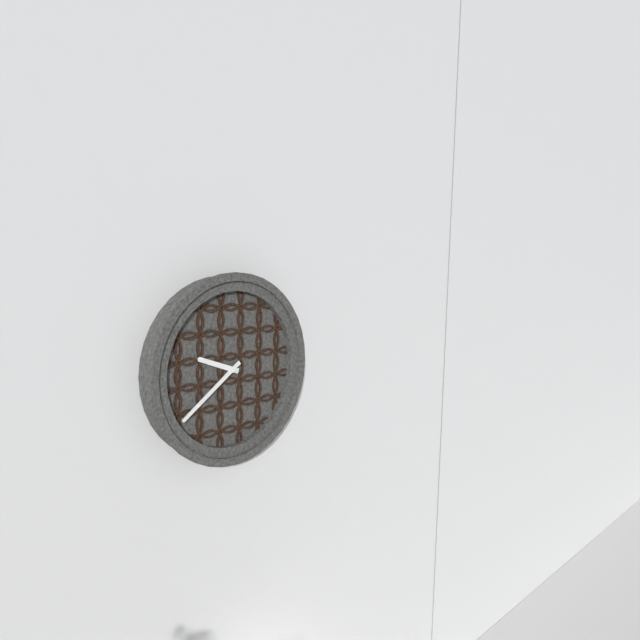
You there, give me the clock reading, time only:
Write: 9:39
